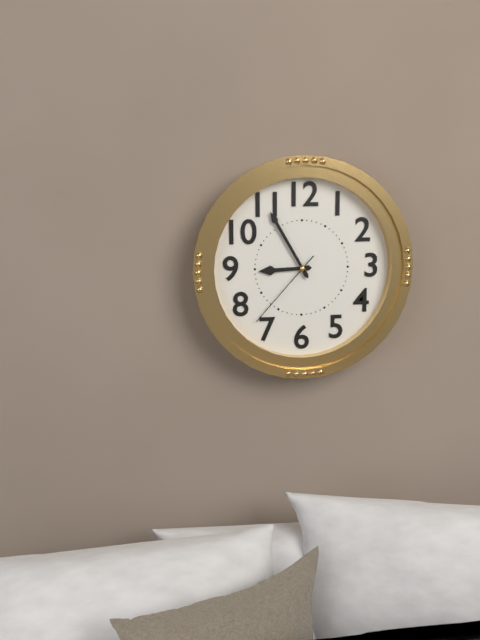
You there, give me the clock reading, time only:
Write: 8:55:37
